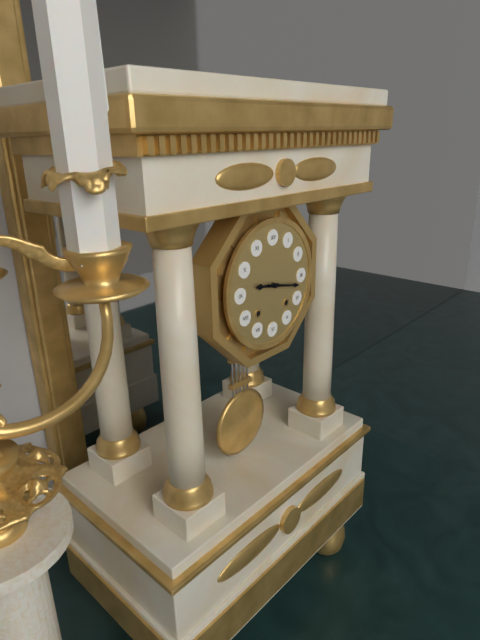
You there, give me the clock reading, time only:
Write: 9:17
